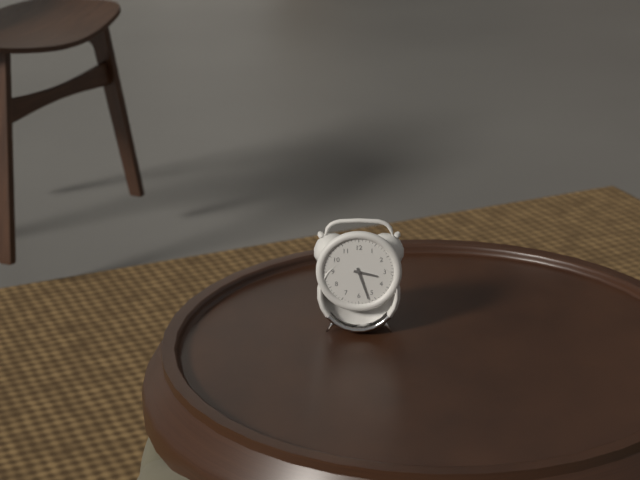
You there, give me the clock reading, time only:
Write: 3:27
